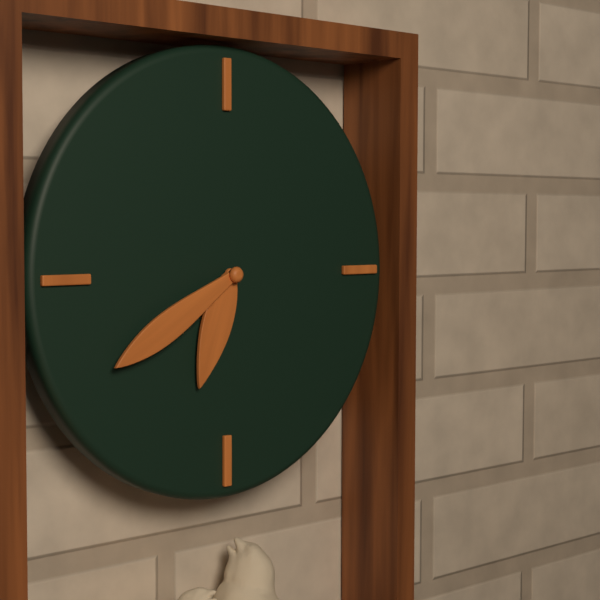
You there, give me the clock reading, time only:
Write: 6:40
